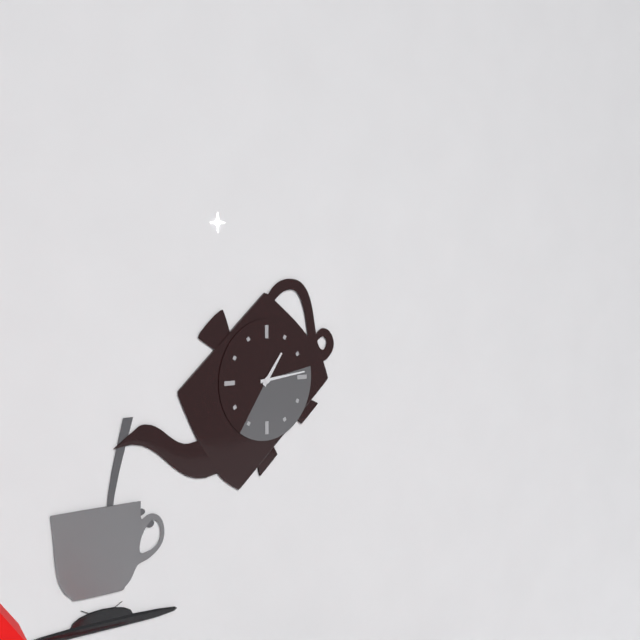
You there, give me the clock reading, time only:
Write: 1:14
